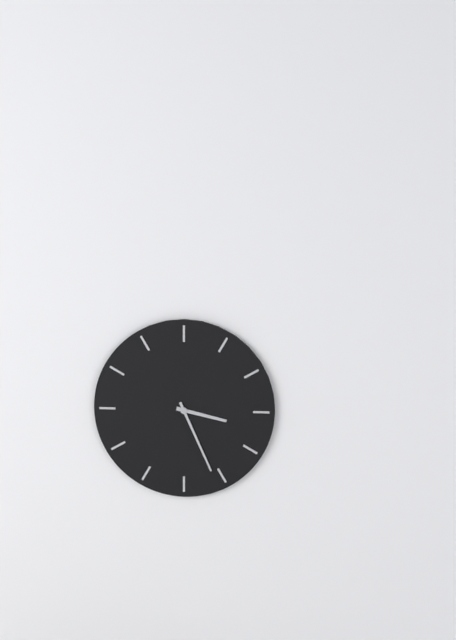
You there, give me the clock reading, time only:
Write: 3:26
